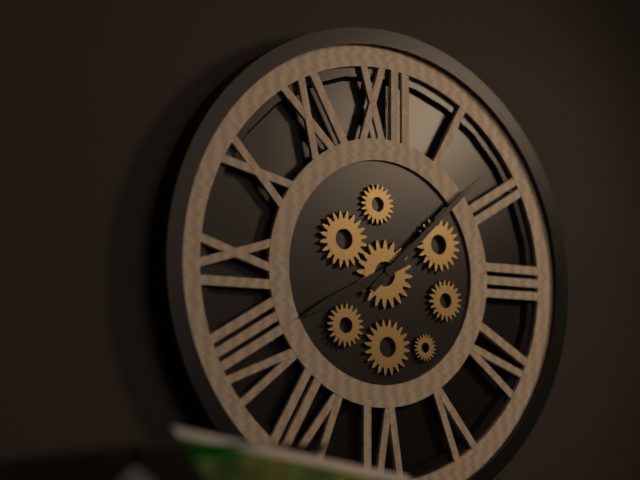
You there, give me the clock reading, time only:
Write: 8:08
